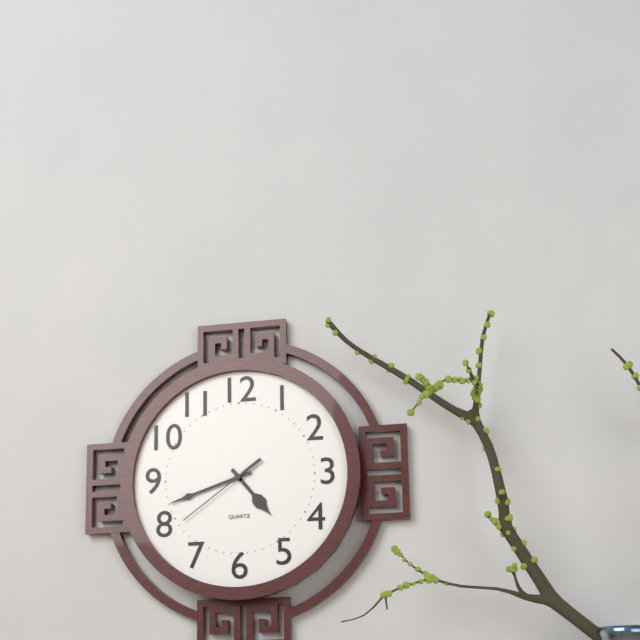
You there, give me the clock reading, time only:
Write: 4:42:39
